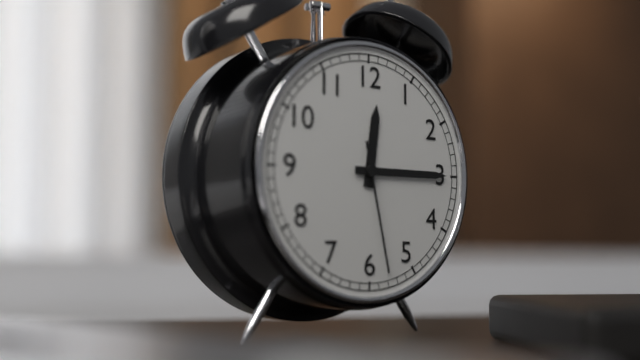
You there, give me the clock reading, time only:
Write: 12:15:28
